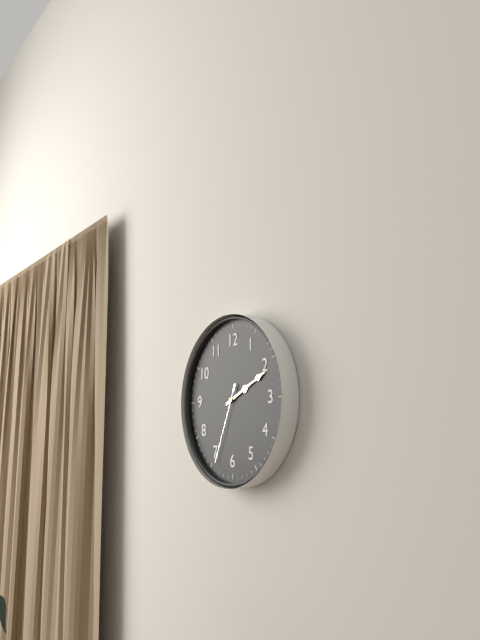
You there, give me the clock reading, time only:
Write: 2:11:34
